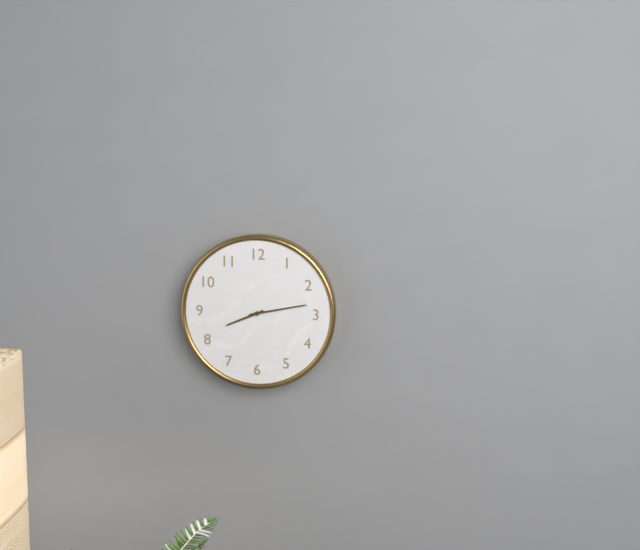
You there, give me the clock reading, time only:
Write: 8:13
